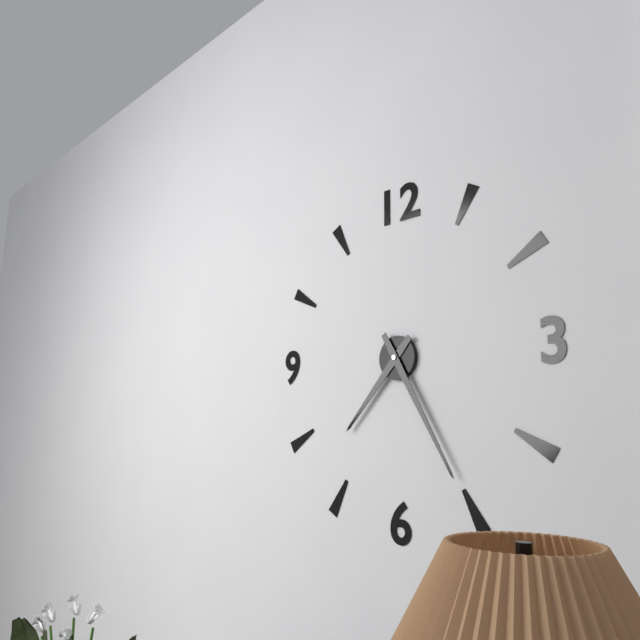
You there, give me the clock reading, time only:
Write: 7:25
